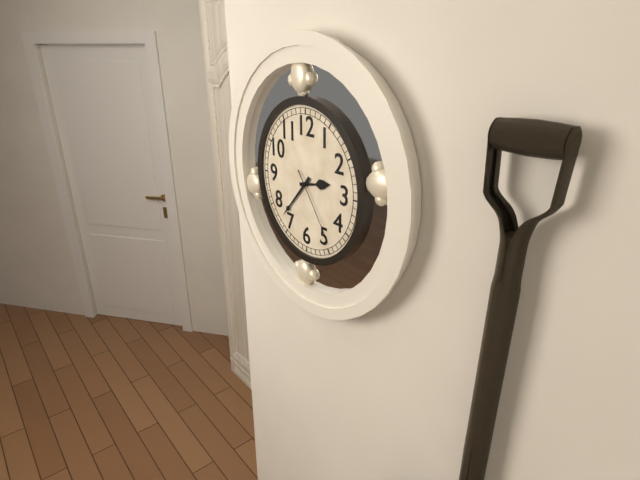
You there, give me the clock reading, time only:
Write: 2:37:24
